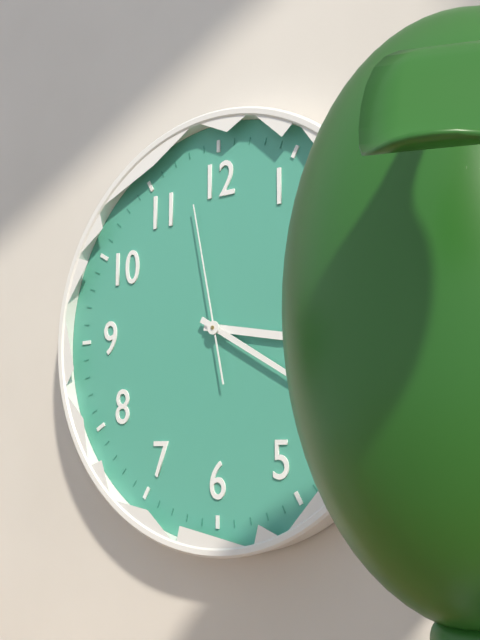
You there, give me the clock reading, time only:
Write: 3:20:58
